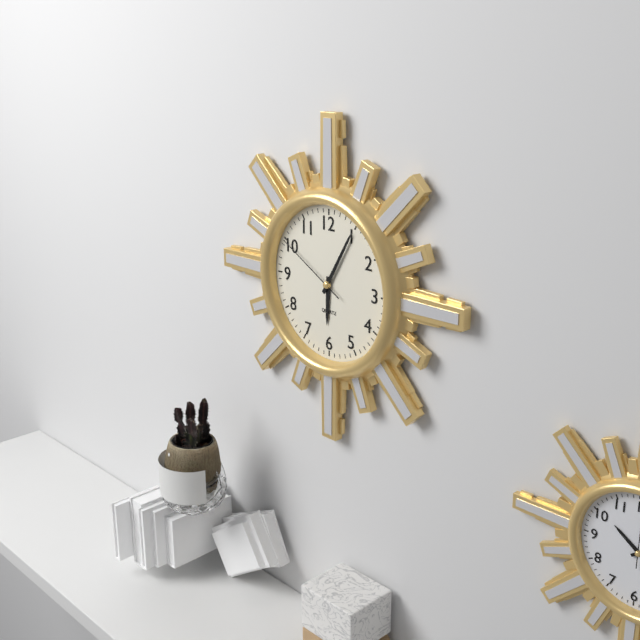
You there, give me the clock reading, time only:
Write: 6:05:50
